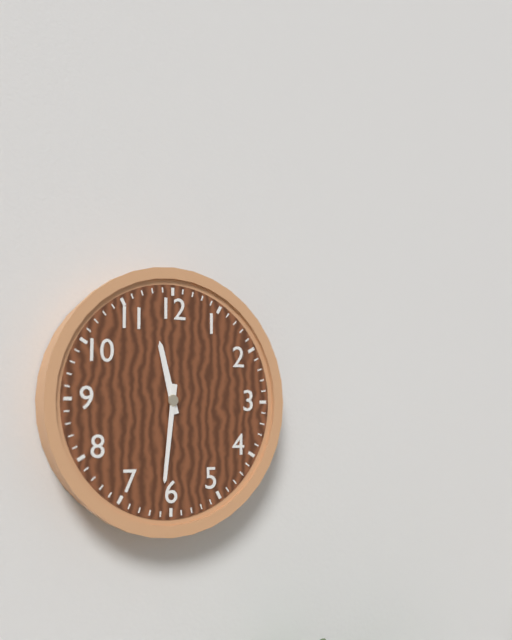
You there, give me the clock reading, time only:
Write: 11:31
